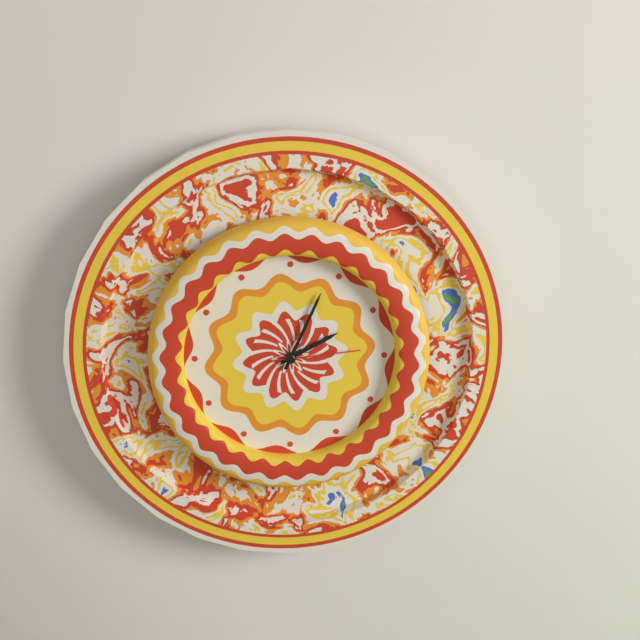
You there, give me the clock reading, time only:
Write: 2:04:14
